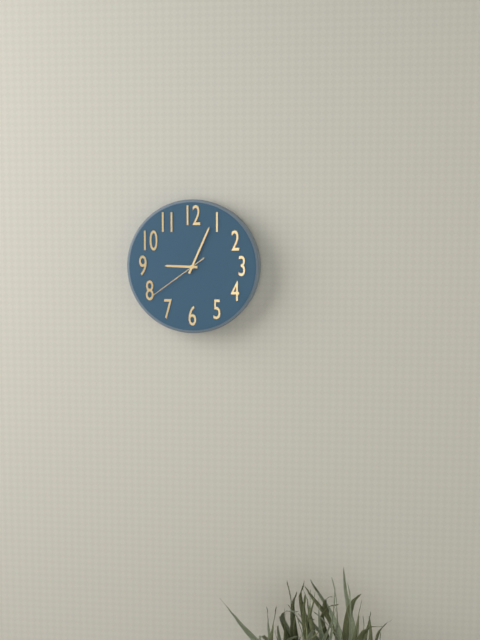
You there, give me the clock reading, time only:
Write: 9:04:39
